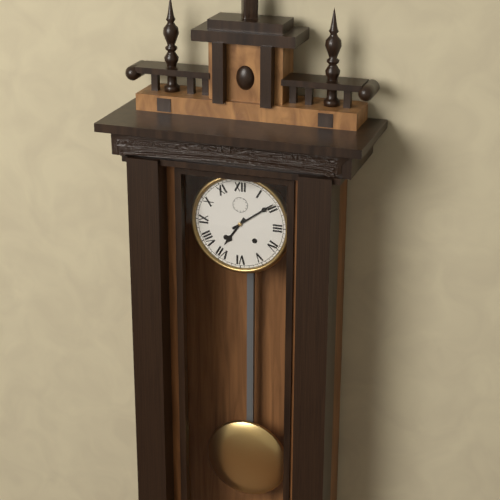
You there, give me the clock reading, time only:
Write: 7:09
